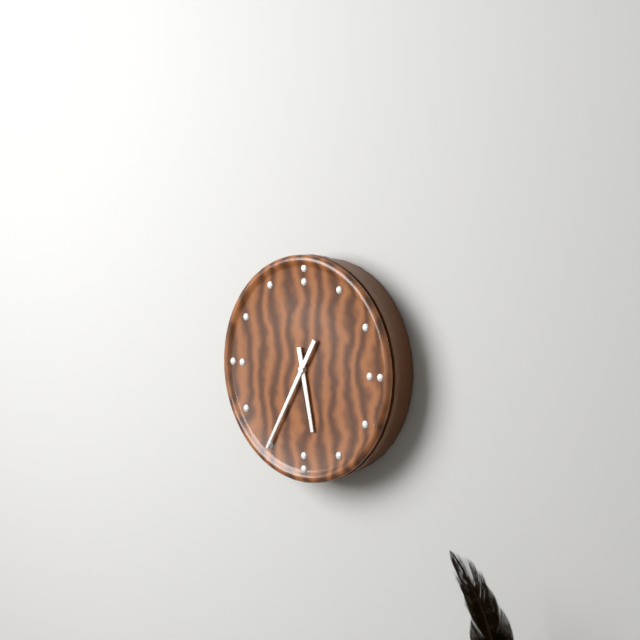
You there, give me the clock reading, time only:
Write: 5:35
